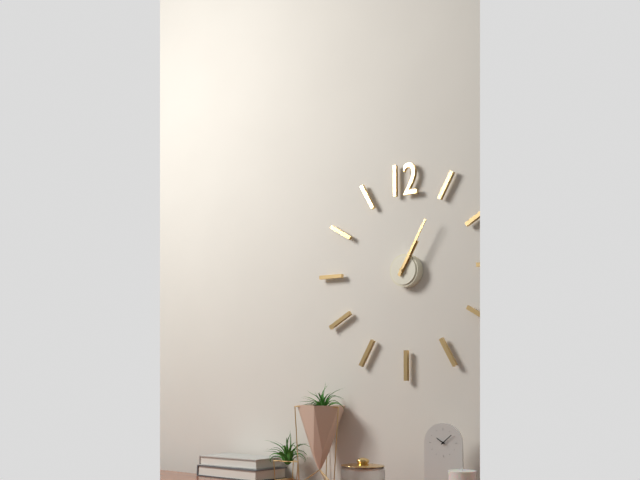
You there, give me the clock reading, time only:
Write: 1:05
